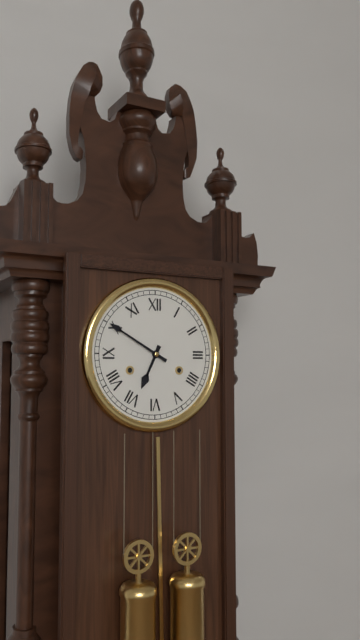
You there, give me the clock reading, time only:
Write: 6:50
